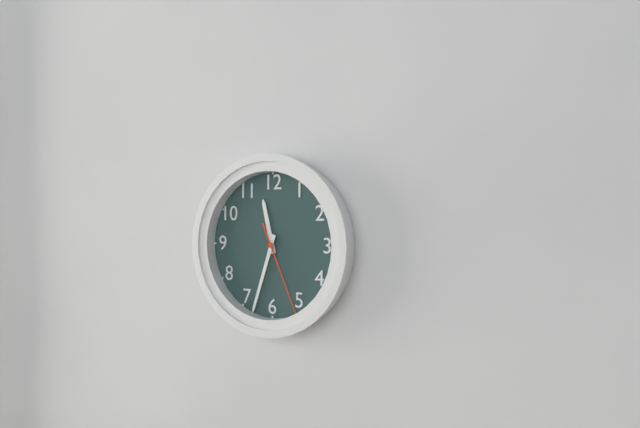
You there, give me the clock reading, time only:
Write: 11:33:26
